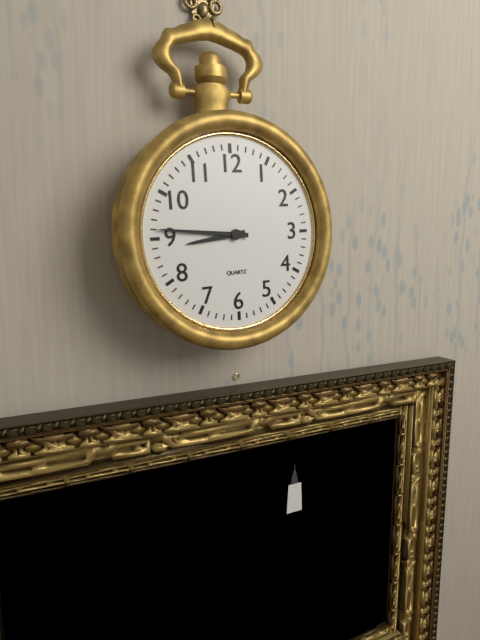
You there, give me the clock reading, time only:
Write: 8:46
